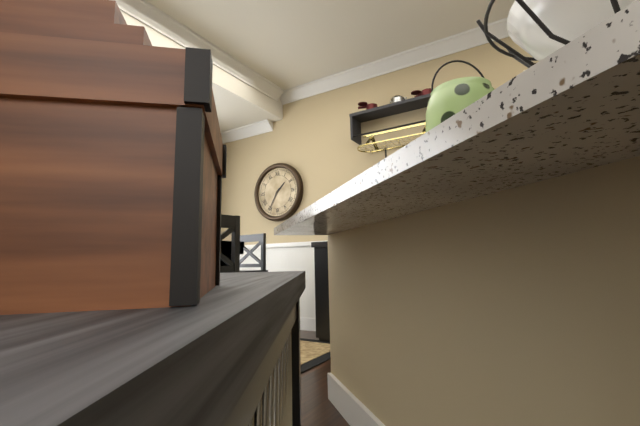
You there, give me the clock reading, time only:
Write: 1:35
